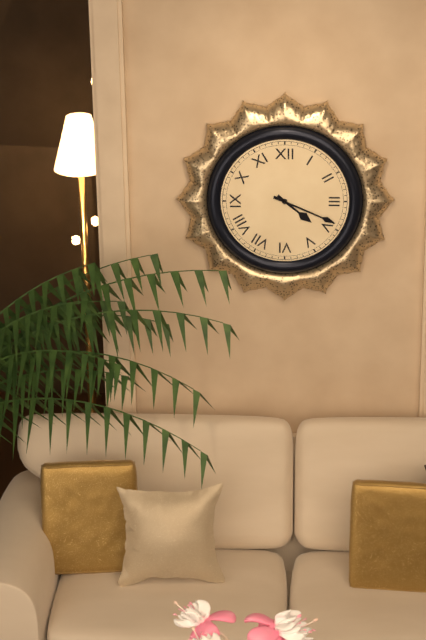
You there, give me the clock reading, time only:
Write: 4:19
